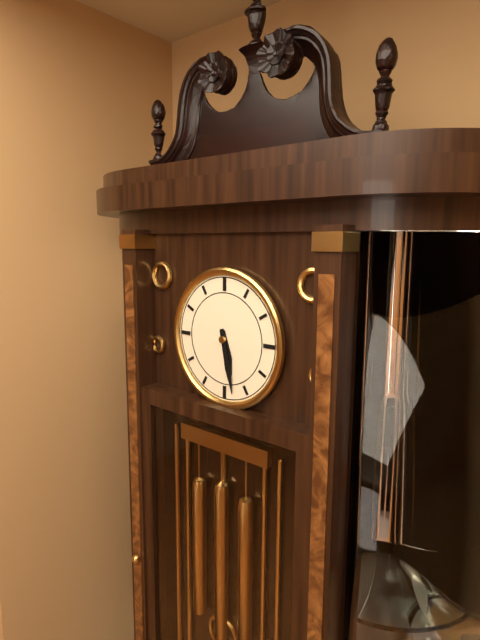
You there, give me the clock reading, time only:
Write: 5:28
